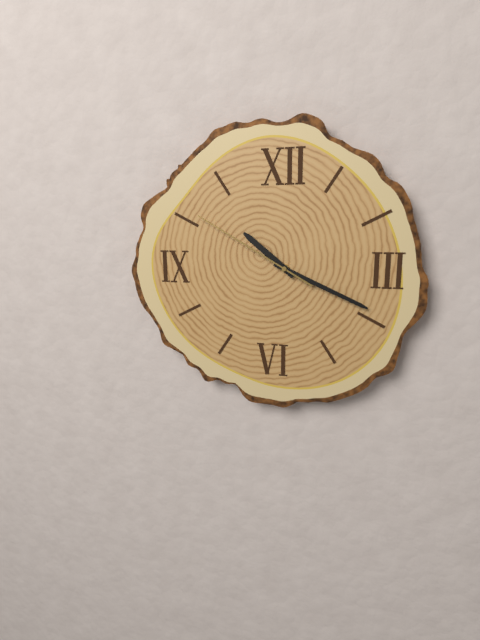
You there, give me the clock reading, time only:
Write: 10:19:50
